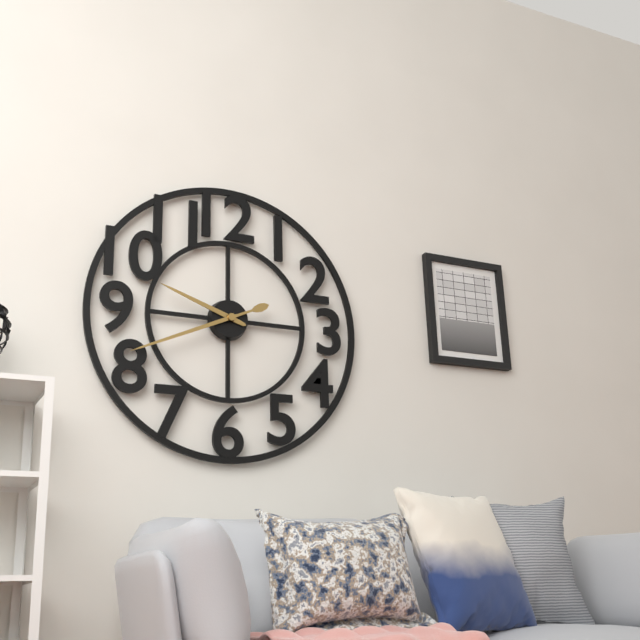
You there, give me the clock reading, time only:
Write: 9:41
